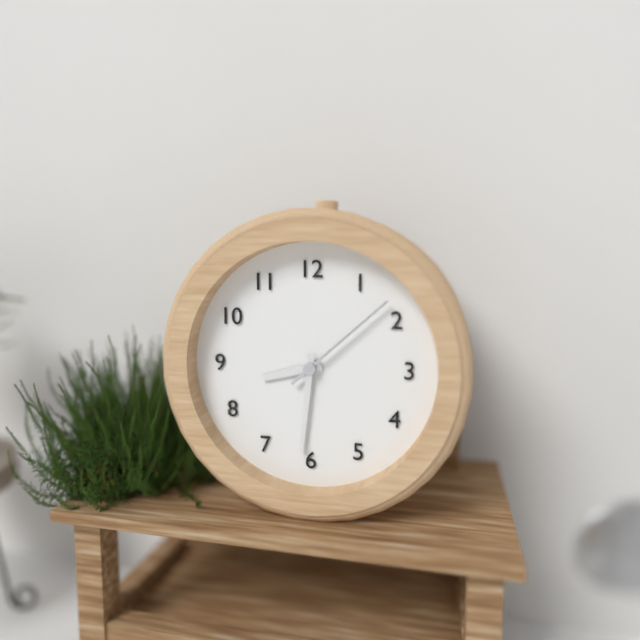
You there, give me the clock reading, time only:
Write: 8:31:08
